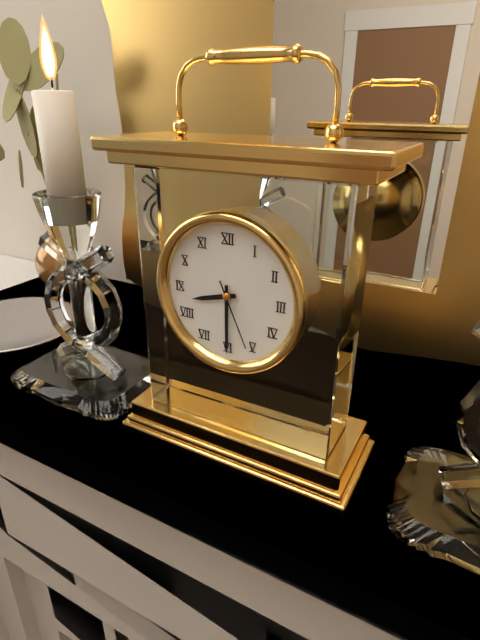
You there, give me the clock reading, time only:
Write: 8:30:26
